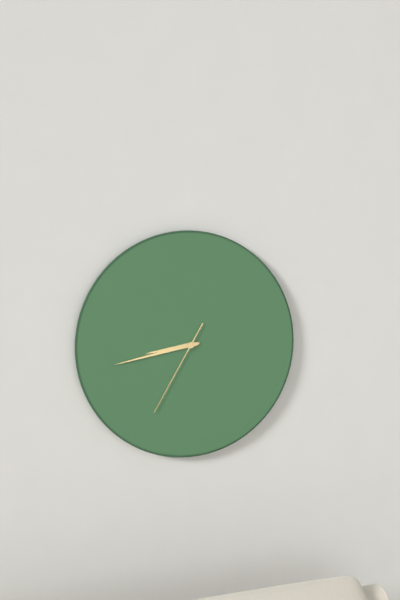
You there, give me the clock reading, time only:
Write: 8:43:35
